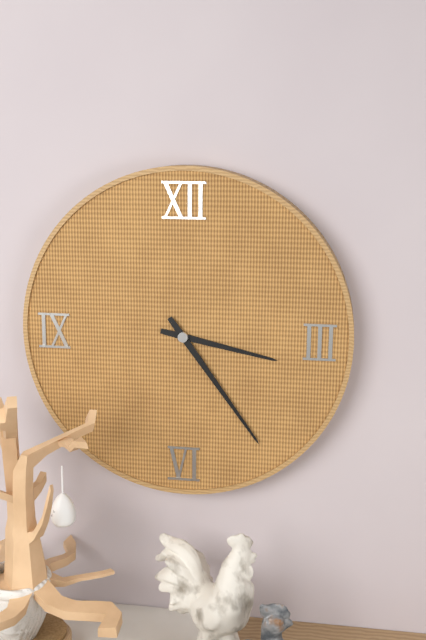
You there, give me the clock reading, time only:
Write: 3:24
